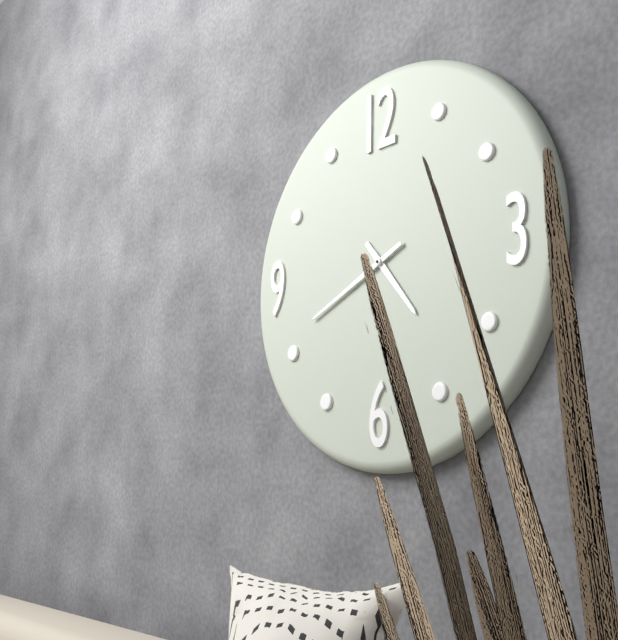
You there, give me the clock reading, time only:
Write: 4:41
